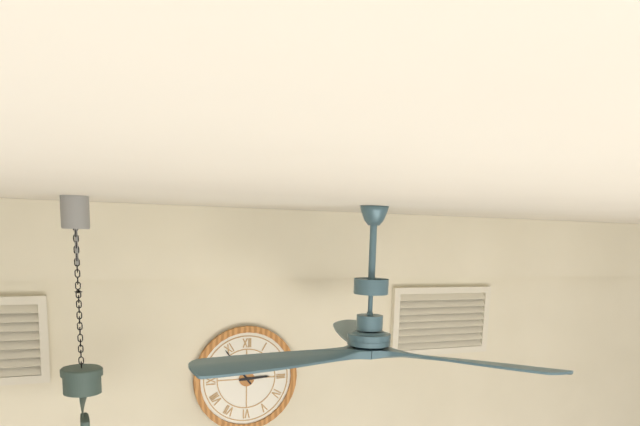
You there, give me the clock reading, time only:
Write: 2:54
